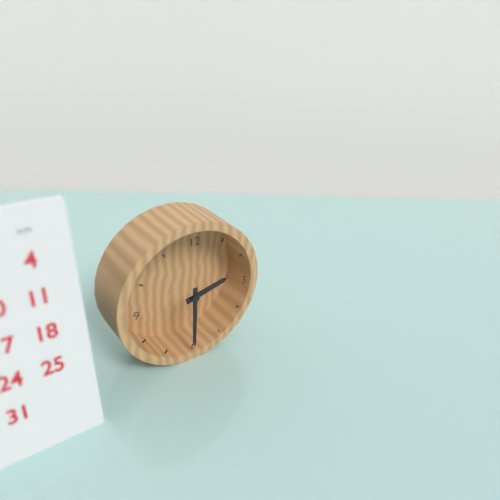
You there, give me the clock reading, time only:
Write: 2:30
